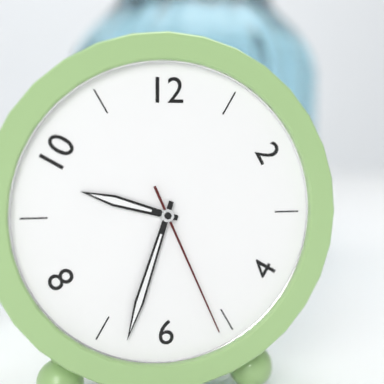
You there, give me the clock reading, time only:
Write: 9:33:26
